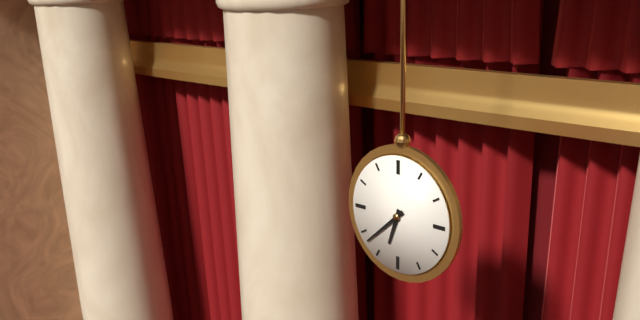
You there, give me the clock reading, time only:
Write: 6:38
